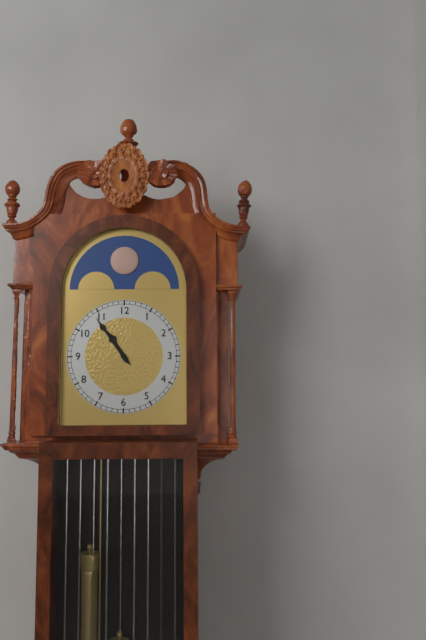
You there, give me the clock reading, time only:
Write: 10:54
